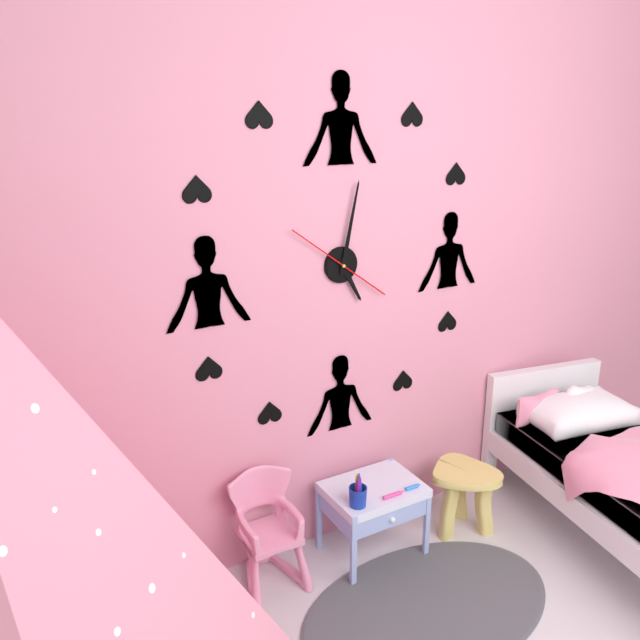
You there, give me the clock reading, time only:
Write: 5:02:51
